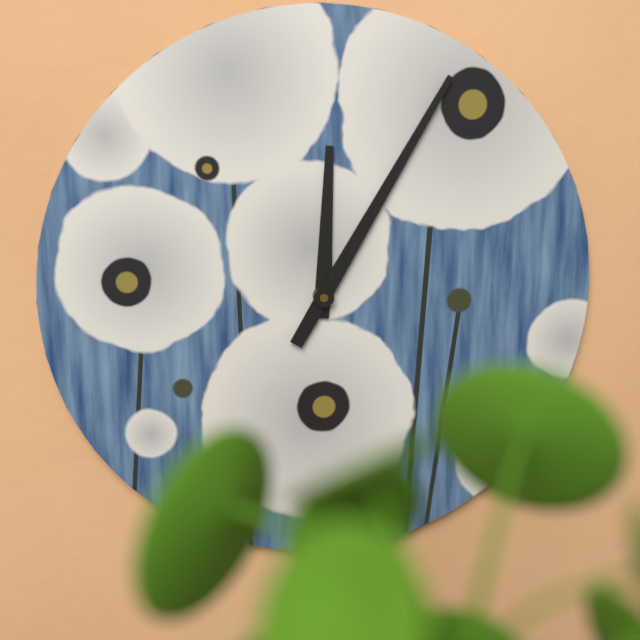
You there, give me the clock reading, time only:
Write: 12:05
